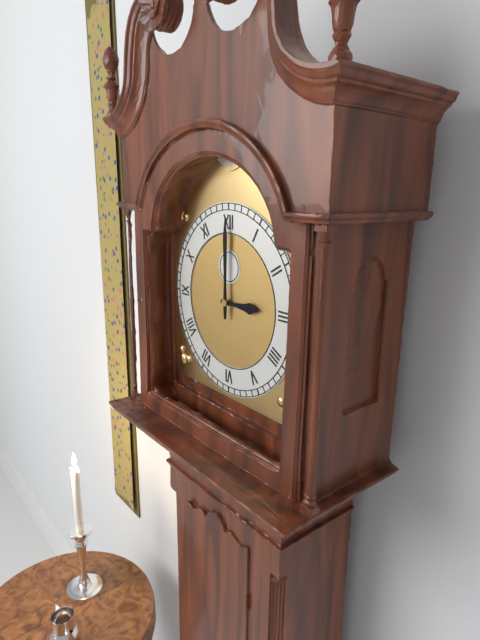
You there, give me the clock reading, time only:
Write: 3:00
